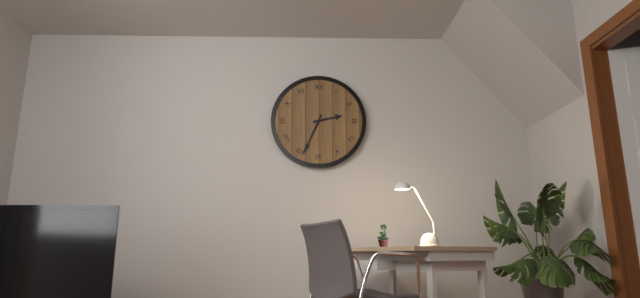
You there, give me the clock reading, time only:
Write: 2:34
